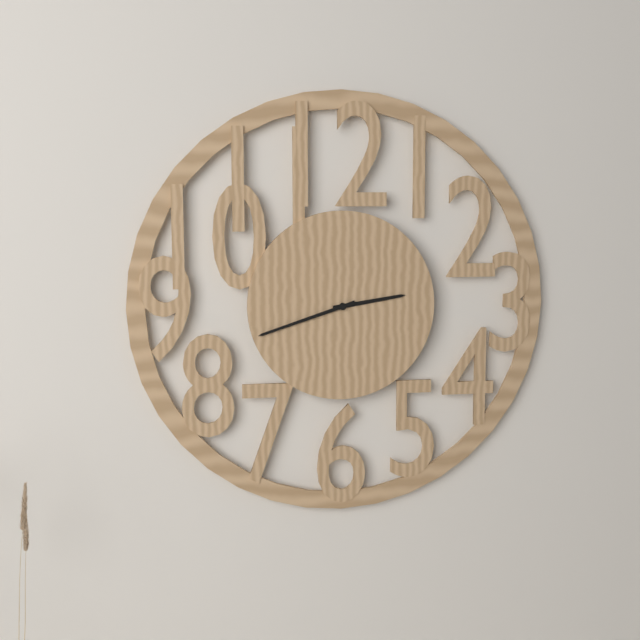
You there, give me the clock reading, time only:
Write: 2:42
